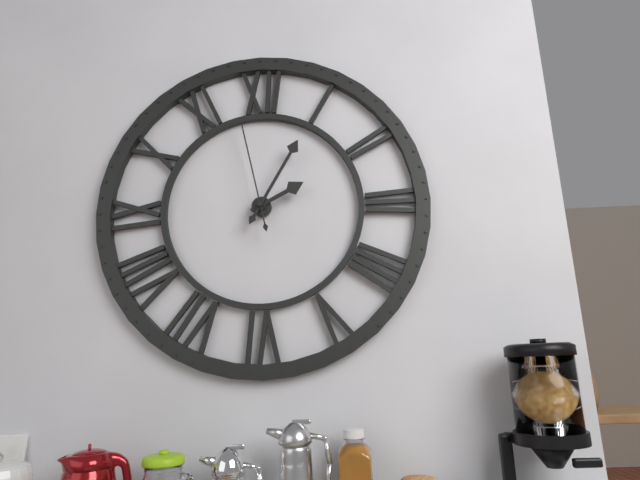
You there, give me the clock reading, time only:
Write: 2:05:58
